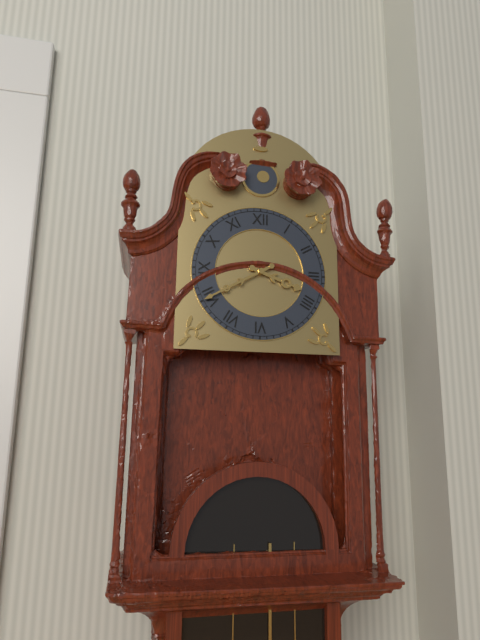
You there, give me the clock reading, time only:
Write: 3:40
